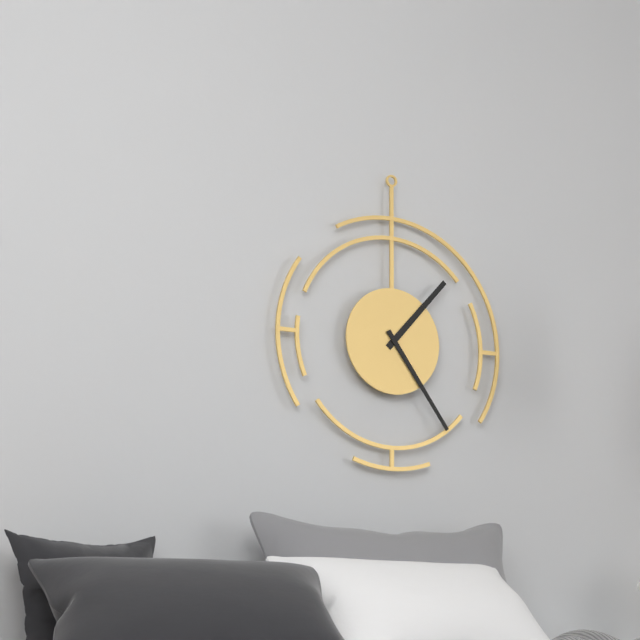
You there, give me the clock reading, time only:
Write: 1:24
